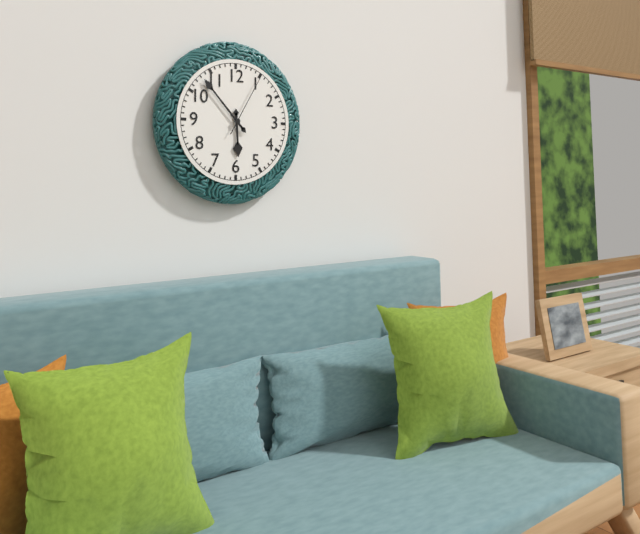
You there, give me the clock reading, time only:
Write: 5:53:05
